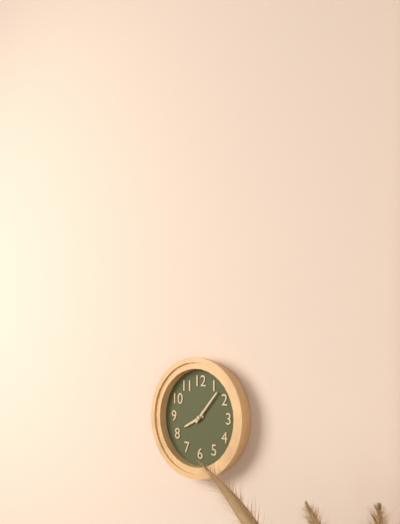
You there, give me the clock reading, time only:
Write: 8:07
